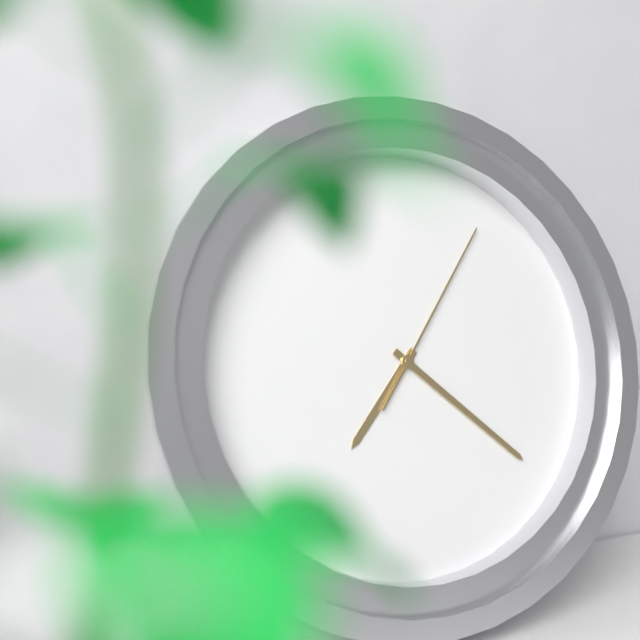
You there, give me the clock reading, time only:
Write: 7:22:06
